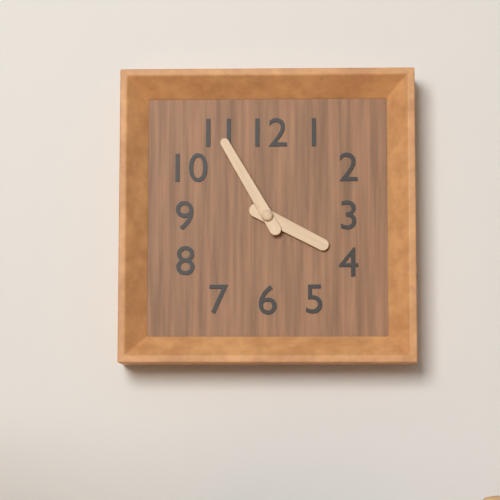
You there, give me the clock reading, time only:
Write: 3:55
